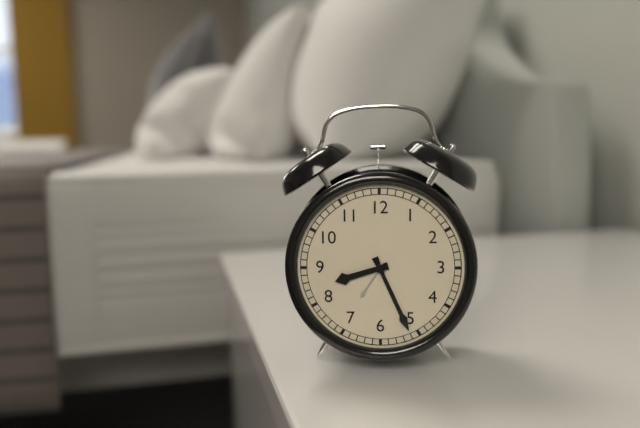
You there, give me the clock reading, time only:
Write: 8:26
